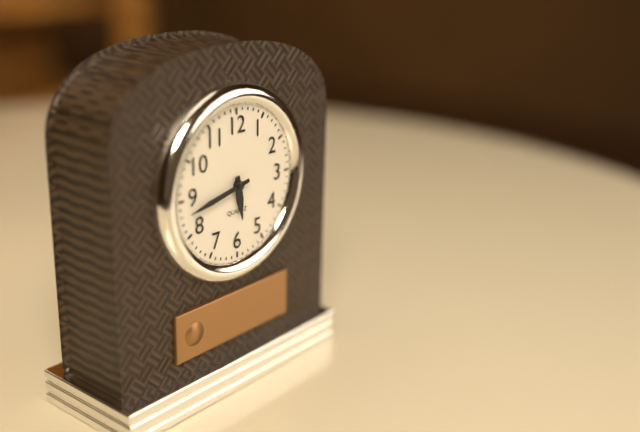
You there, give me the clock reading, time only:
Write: 5:43
